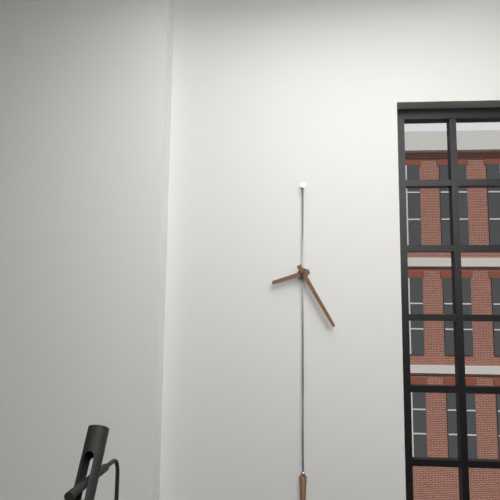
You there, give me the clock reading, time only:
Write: 8:25
